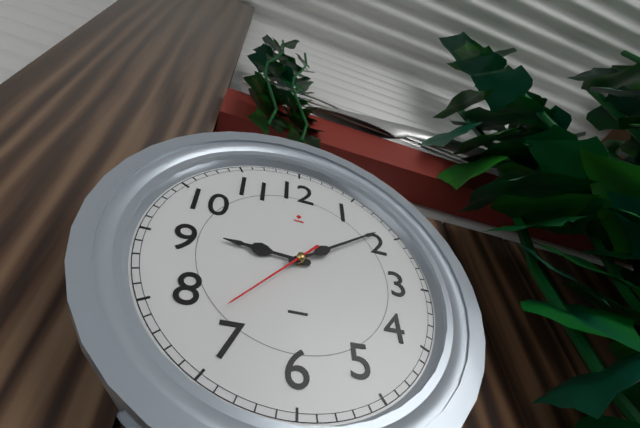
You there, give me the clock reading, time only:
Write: 9:09:37
